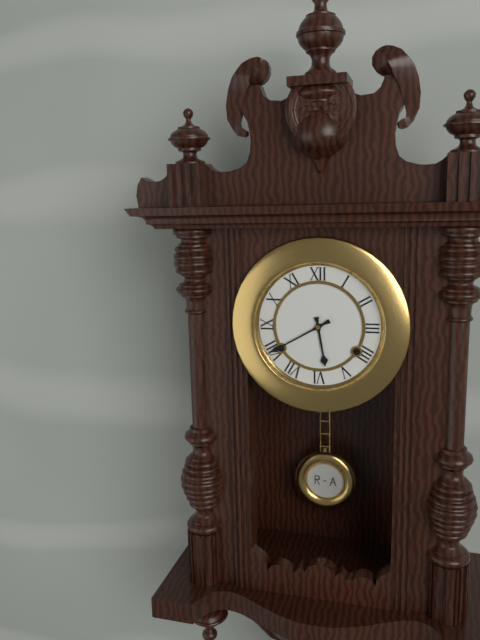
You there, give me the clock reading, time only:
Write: 5:40
